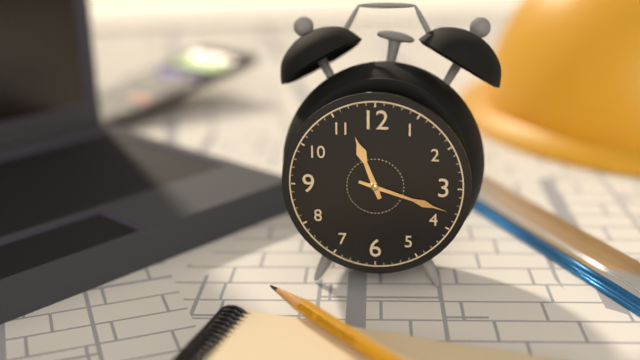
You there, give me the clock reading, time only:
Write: 11:18
